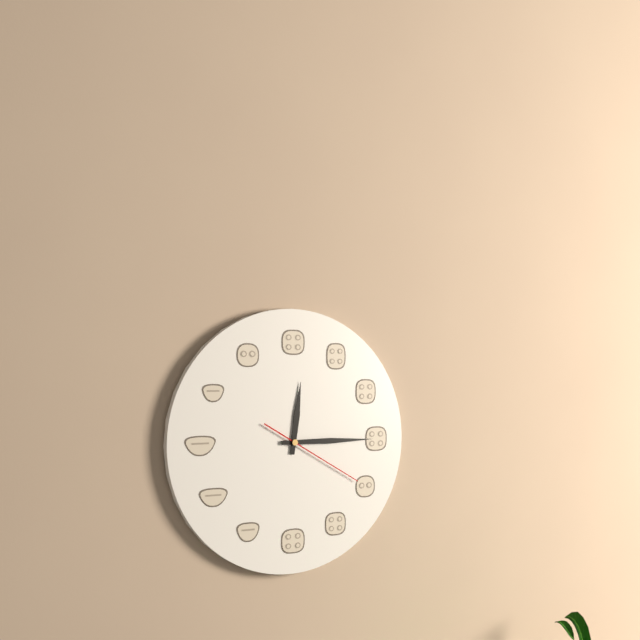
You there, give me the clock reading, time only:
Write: 12:15:20
